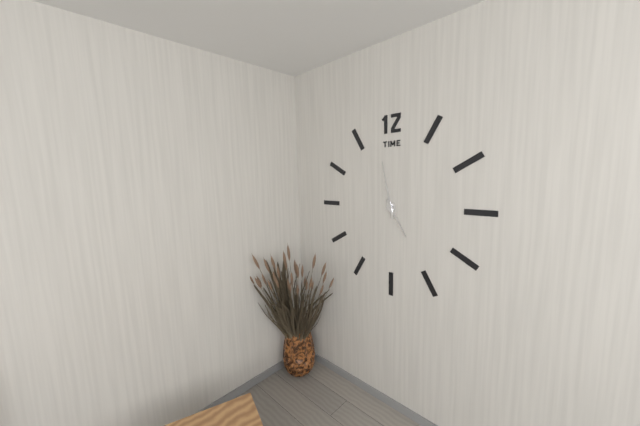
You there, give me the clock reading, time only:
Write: 4:58
